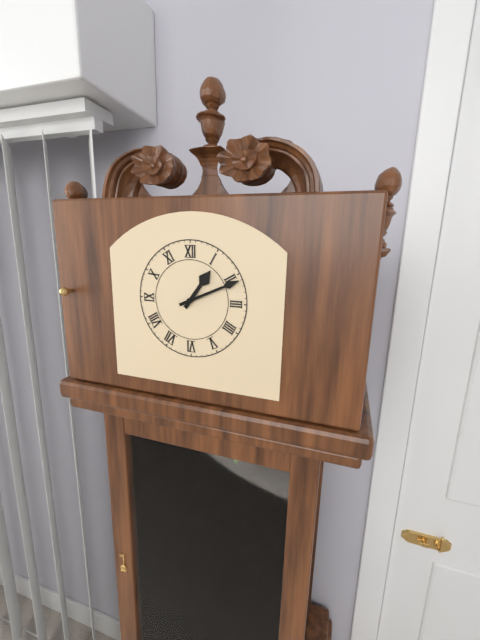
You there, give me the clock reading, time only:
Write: 1:11
